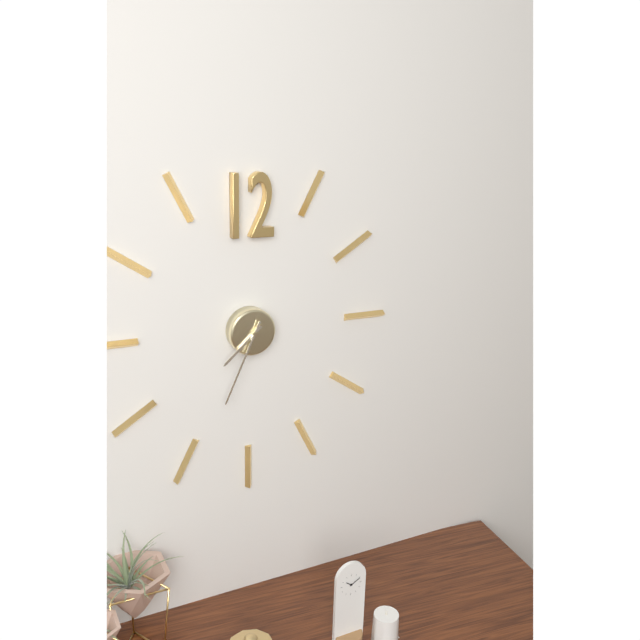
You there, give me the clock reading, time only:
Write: 7:34
